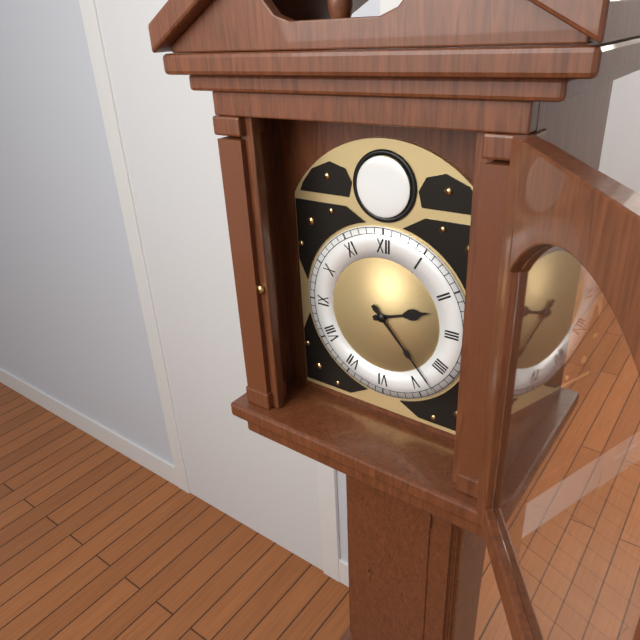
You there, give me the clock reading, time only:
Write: 2:23
